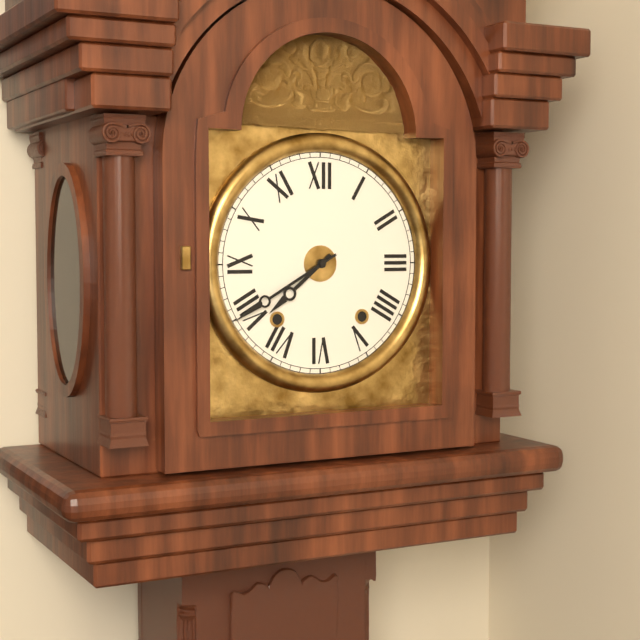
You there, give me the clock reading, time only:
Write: 7:40
